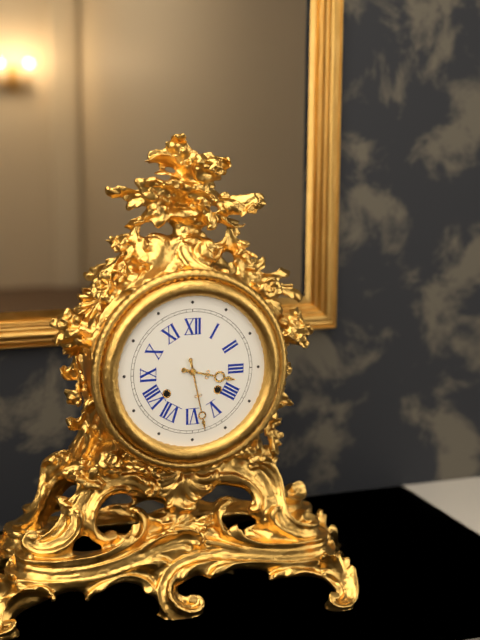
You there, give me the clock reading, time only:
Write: 3:28
